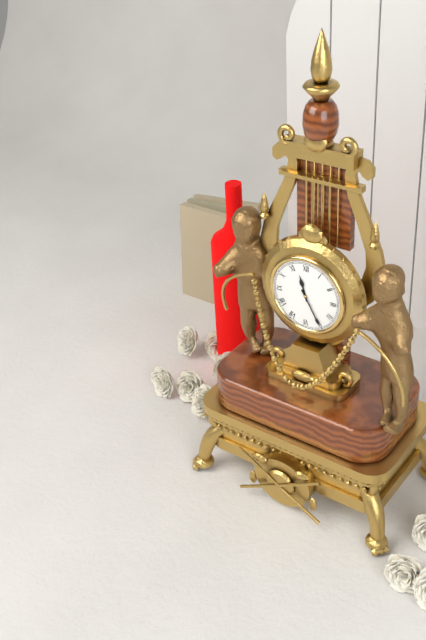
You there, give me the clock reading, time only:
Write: 11:25
